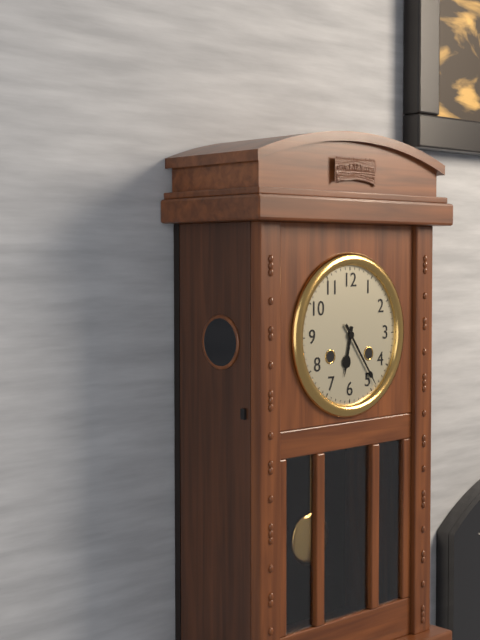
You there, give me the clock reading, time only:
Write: 6:24
